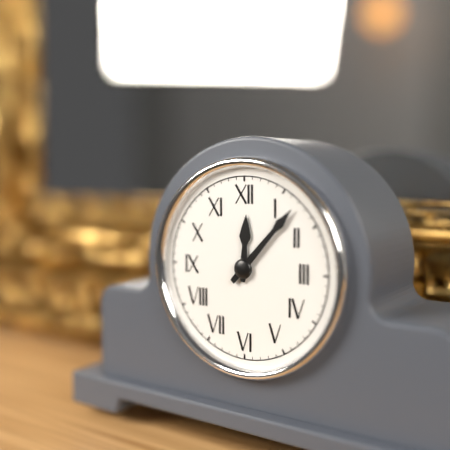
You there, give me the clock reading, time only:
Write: 12:07
